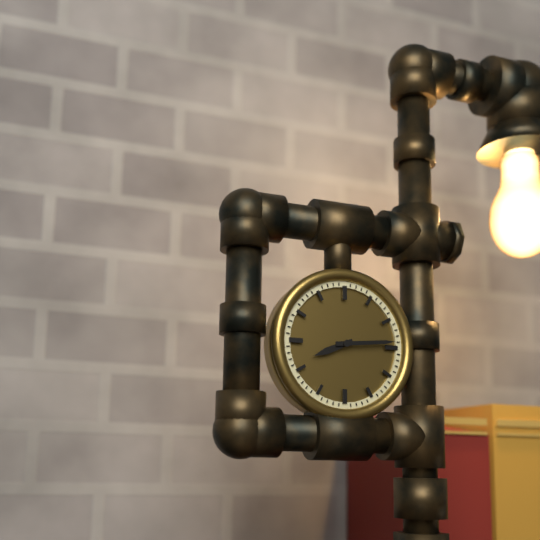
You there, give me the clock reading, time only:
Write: 8:14
